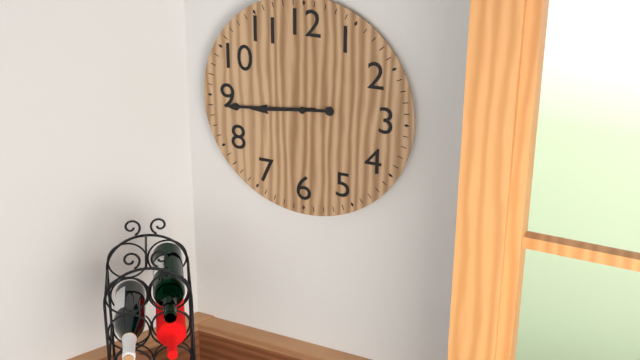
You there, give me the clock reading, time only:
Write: 8:44
